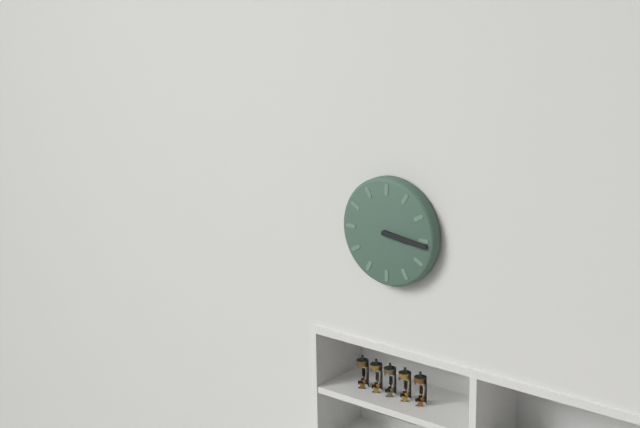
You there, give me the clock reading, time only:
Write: 3:16
